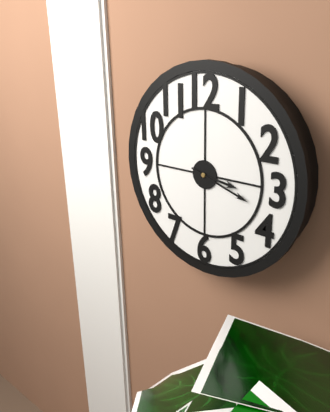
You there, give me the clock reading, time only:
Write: 3:18
